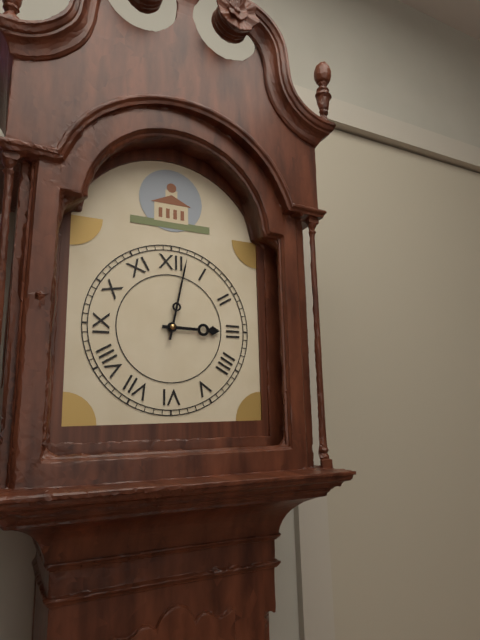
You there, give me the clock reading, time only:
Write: 3:02
